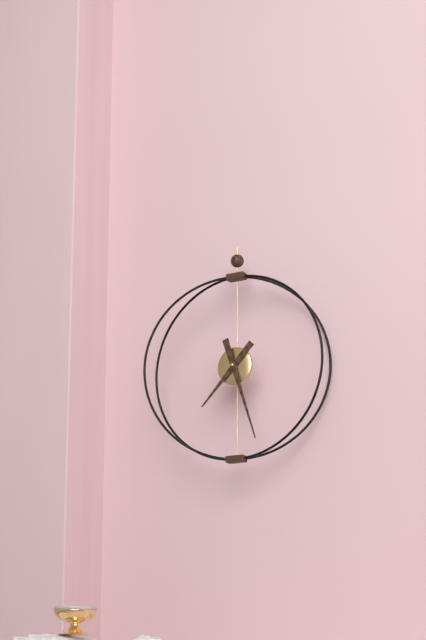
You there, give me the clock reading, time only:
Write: 7:27
